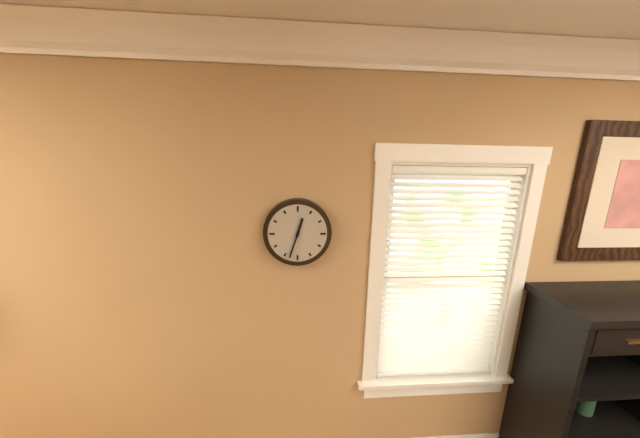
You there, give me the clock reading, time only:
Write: 12:33
